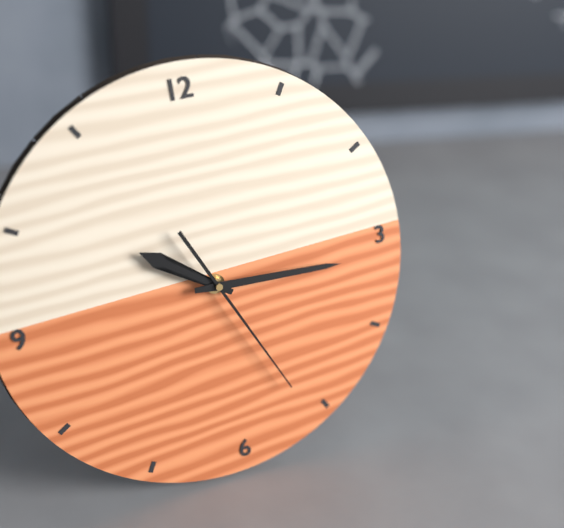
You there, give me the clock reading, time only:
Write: 10:16:26
